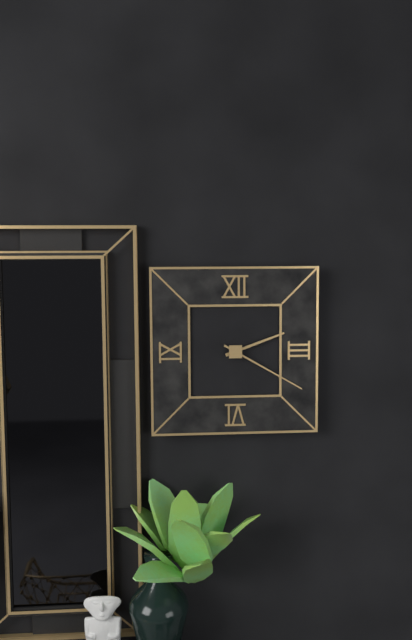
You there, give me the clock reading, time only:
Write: 2:20
